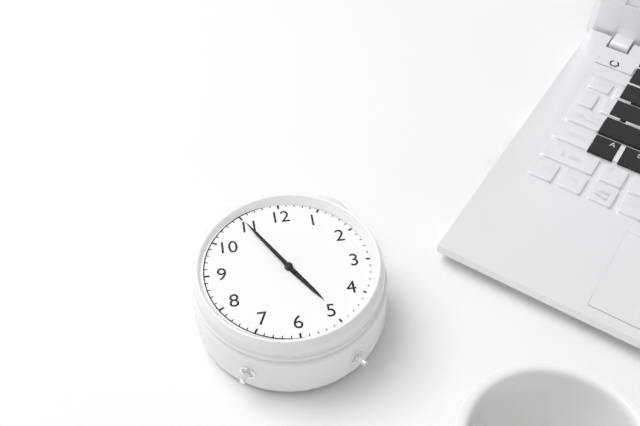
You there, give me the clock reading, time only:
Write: 4:55
